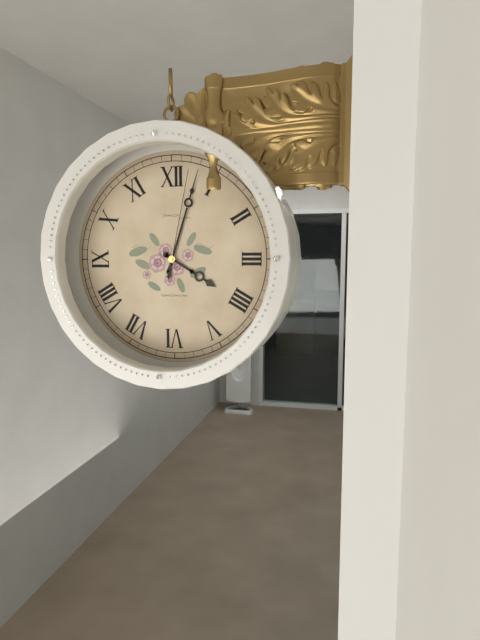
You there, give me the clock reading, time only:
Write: 4:03:02
